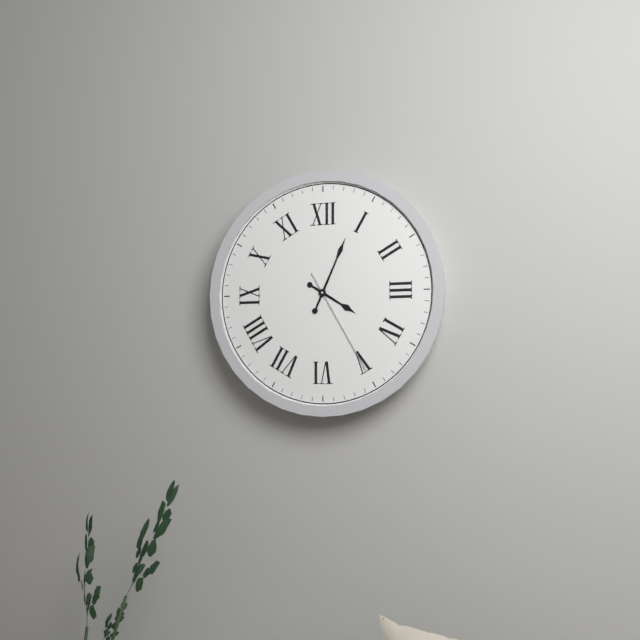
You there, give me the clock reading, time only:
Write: 4:04:25
